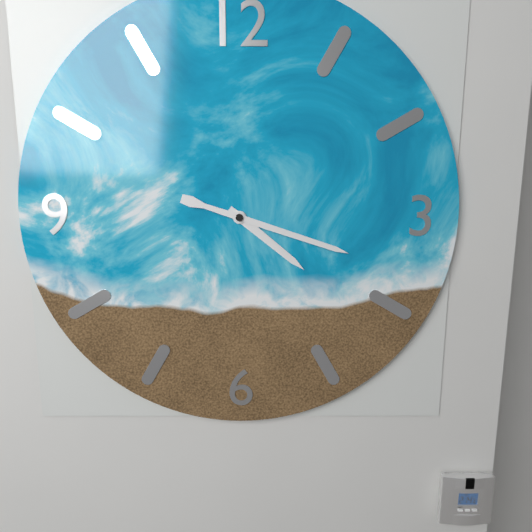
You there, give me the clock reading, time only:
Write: 4:18
